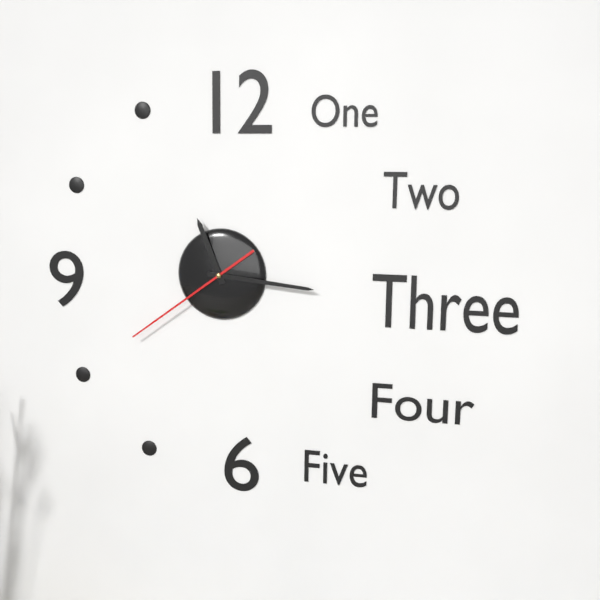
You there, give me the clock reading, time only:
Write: 11:16:39
